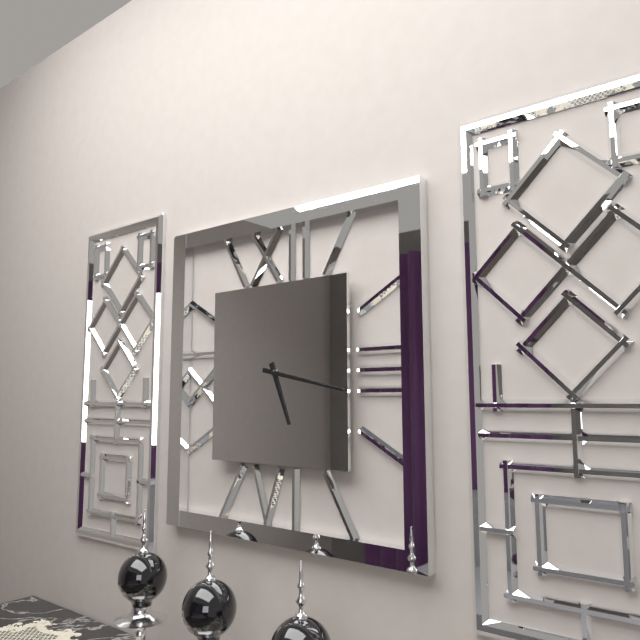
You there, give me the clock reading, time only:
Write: 5:17
